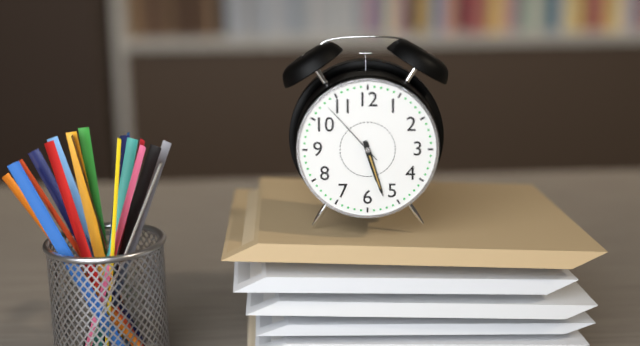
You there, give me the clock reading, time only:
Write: 5:27:53
